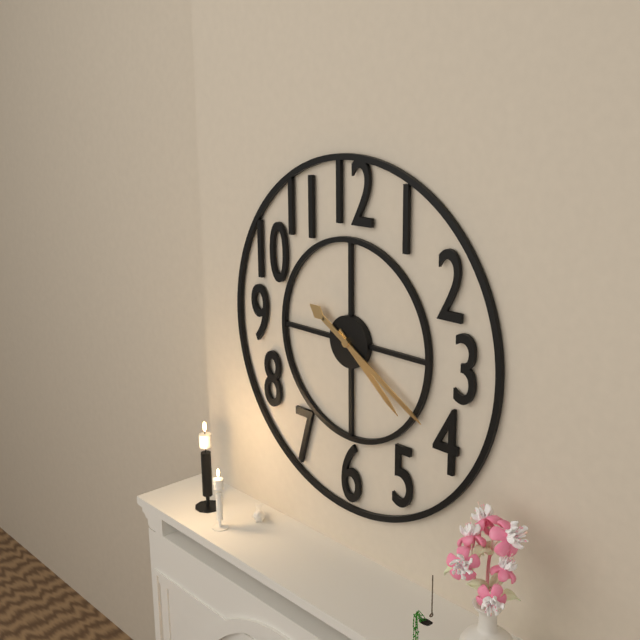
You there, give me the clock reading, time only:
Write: 4:20
